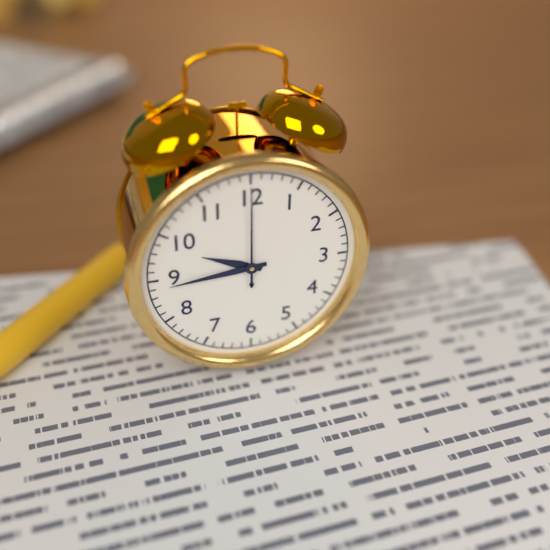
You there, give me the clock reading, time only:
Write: 9:44:00
